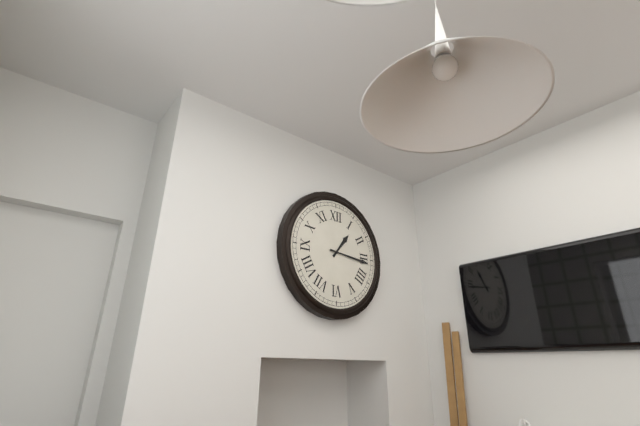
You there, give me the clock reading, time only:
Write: 1:16
